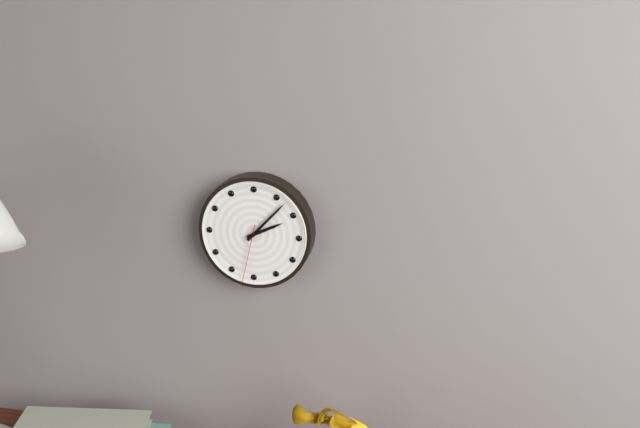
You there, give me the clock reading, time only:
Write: 2:07:32
